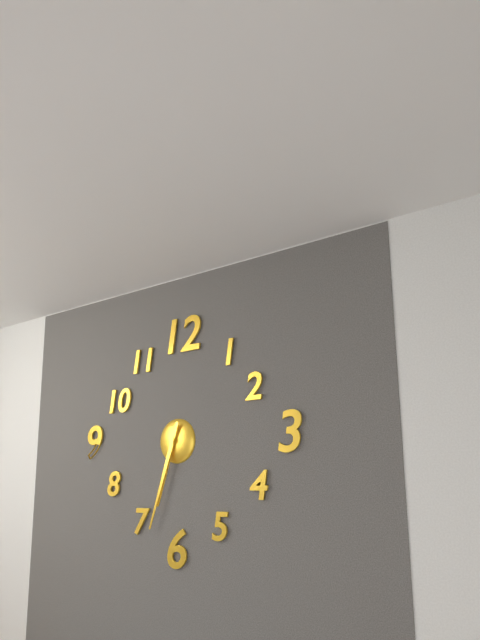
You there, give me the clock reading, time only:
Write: 6:33
